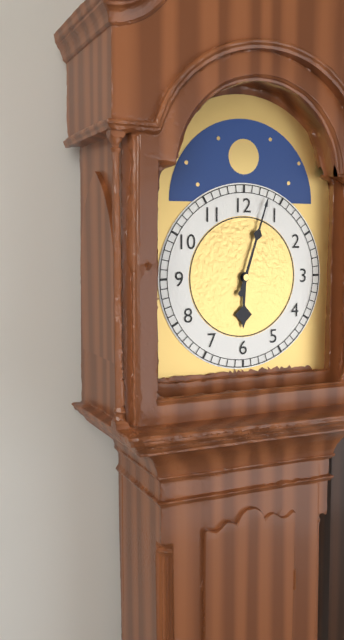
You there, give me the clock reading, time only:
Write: 6:03
